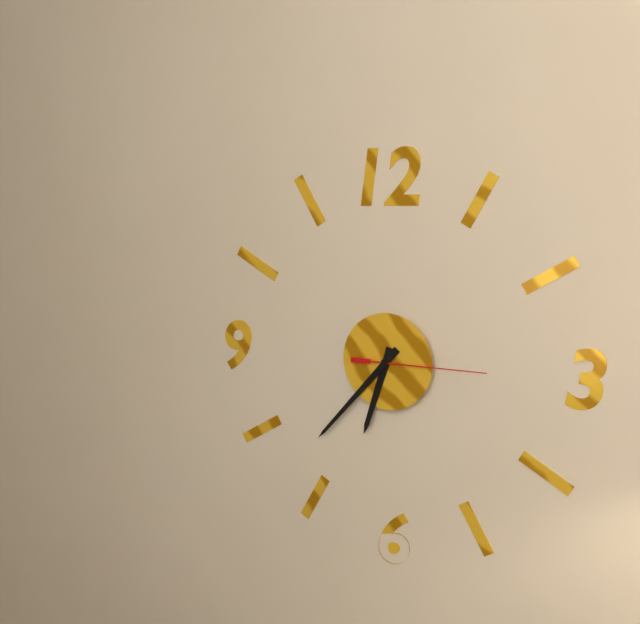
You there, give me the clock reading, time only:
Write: 6:37:15
